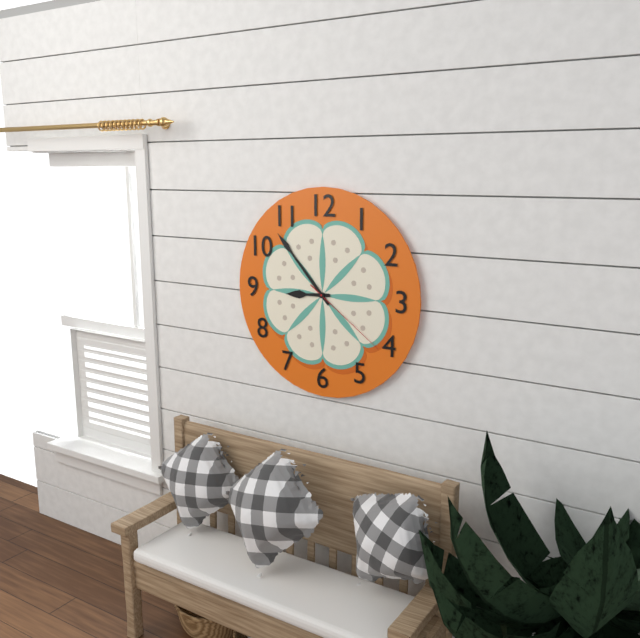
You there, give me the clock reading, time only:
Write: 8:53:21
